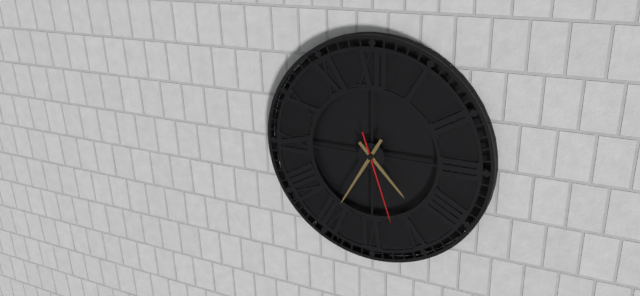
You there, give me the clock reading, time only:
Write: 4:35:27
